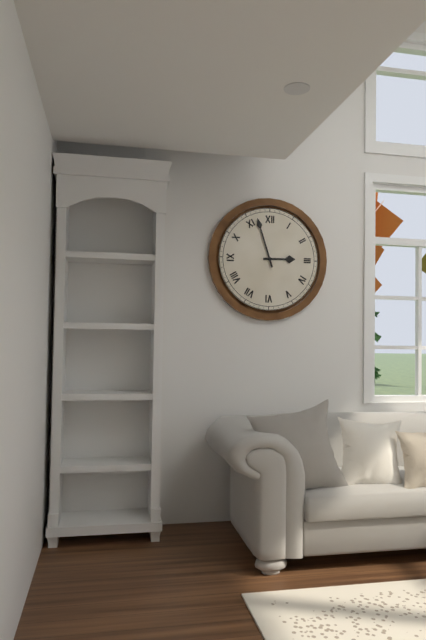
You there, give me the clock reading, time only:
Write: 2:57
